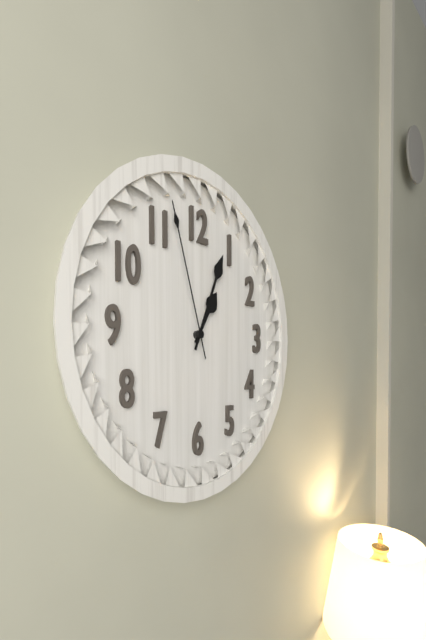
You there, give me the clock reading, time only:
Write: 1:04:57
